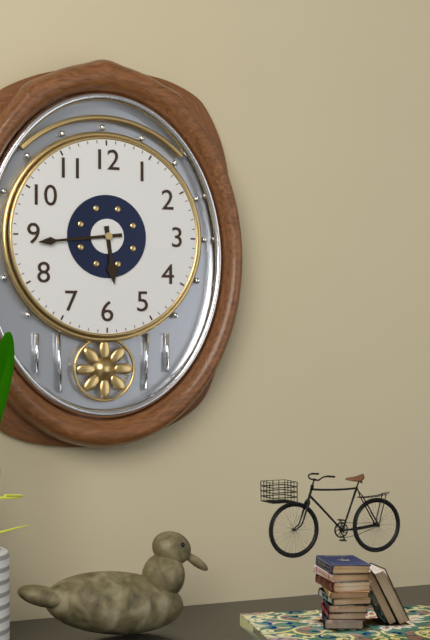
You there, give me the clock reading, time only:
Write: 5:44
